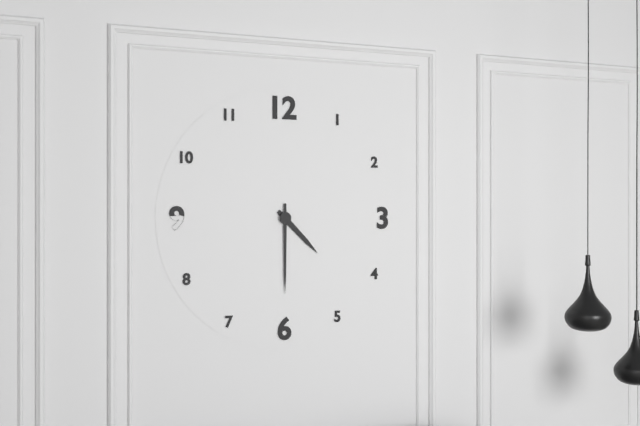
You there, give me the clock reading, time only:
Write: 4:30
